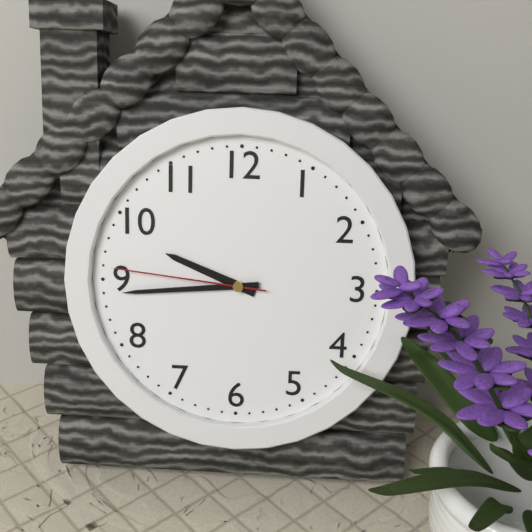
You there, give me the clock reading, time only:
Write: 9:44:46
